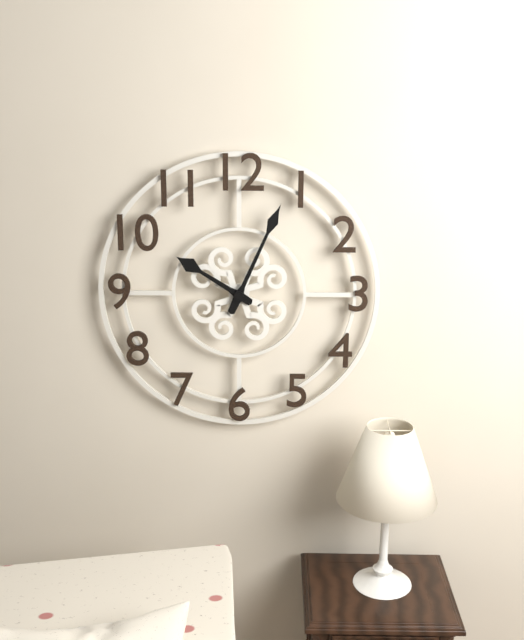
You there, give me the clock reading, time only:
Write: 10:04
